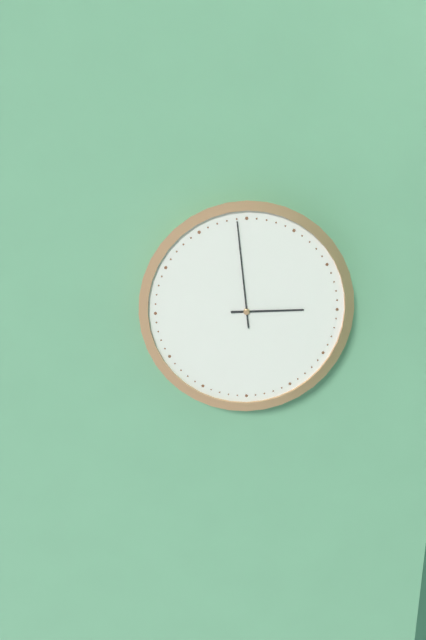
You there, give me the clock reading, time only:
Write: 2:59
